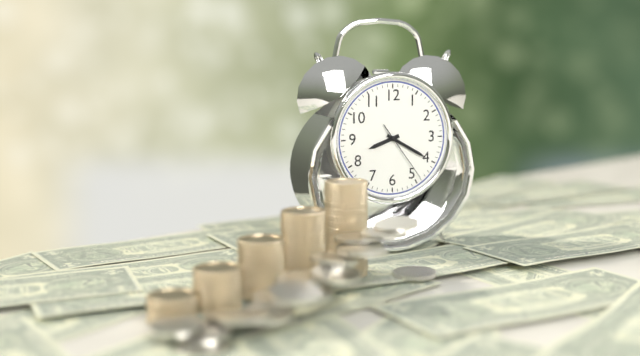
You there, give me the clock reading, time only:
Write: 8:20:24
